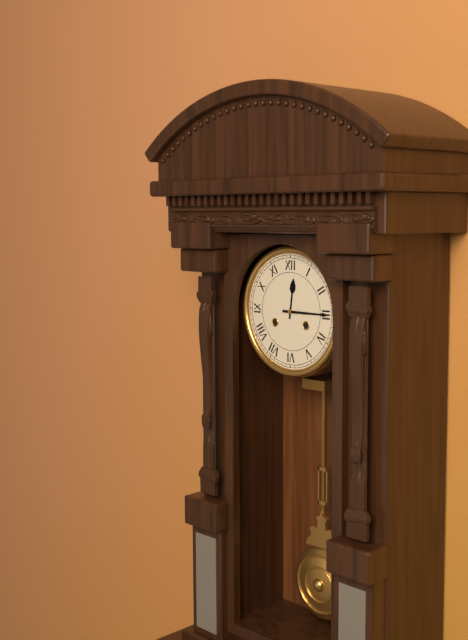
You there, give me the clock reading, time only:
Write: 12:15
